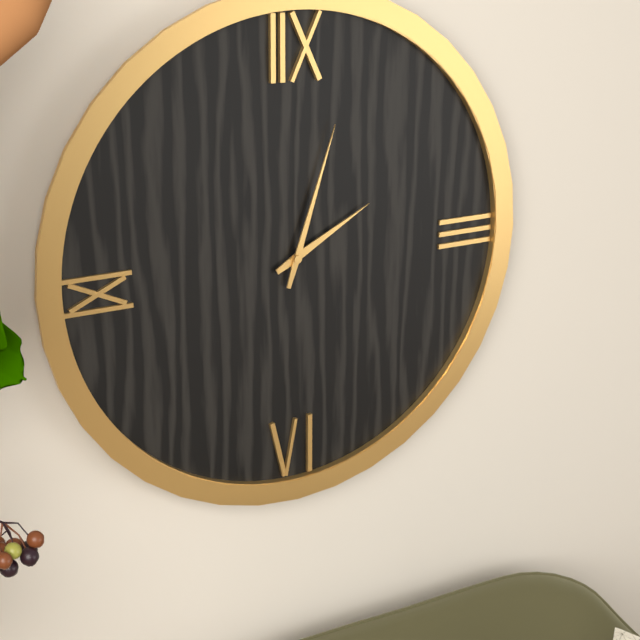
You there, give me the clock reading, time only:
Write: 2:03
